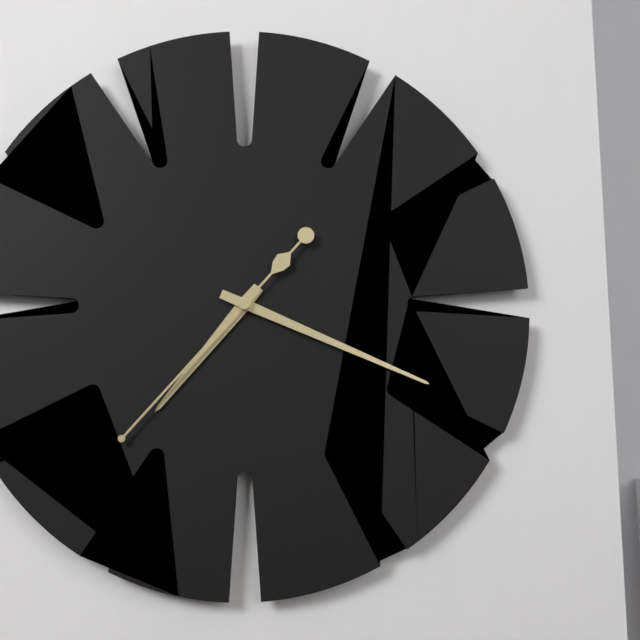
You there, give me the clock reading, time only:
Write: 7:19:37
